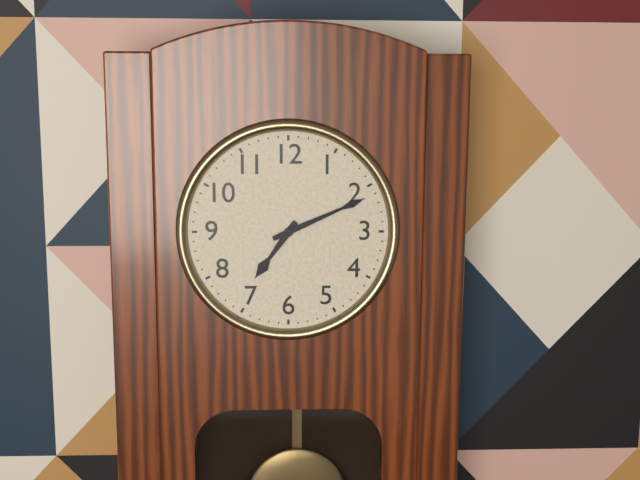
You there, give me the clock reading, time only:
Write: 7:11
